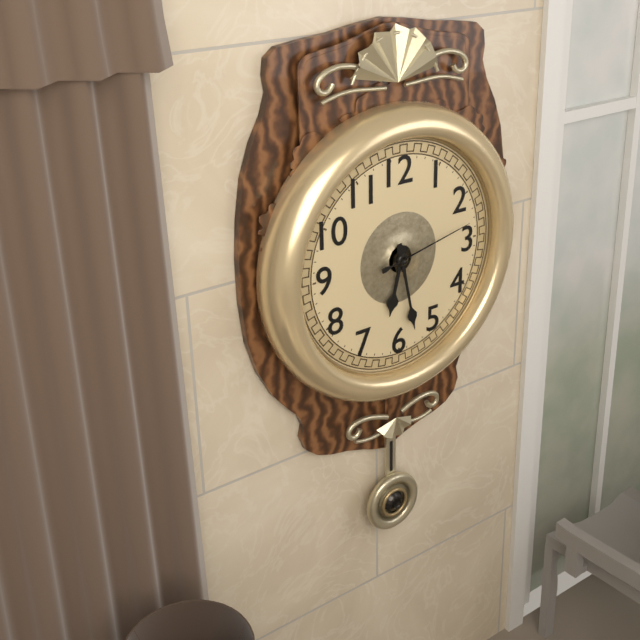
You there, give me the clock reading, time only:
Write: 6:28:13
